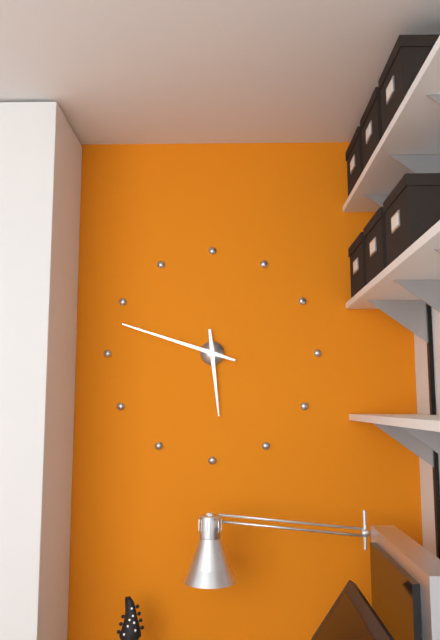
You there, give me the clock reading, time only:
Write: 5:48
